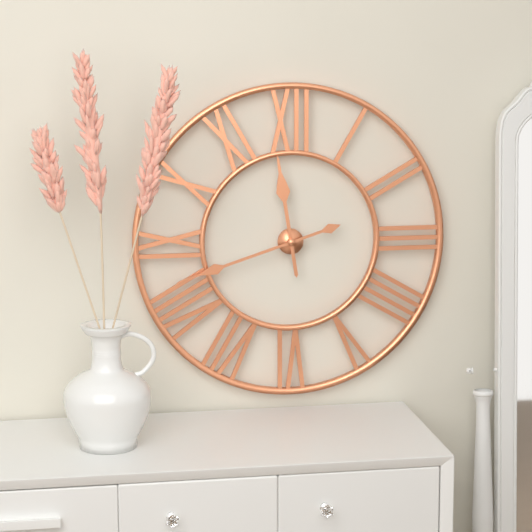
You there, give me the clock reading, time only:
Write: 11:42
